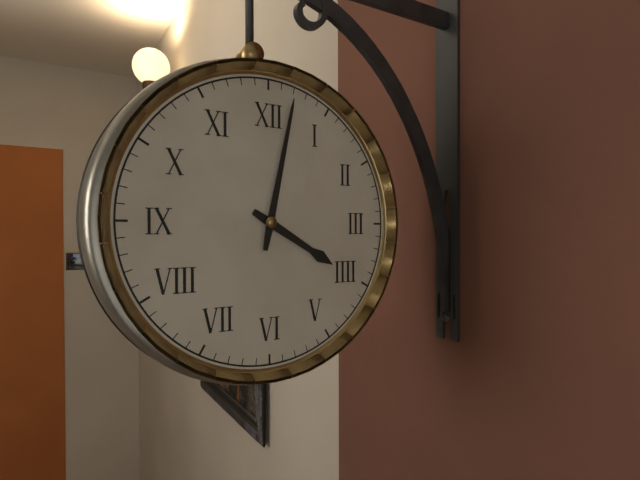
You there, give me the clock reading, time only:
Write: 4:02
